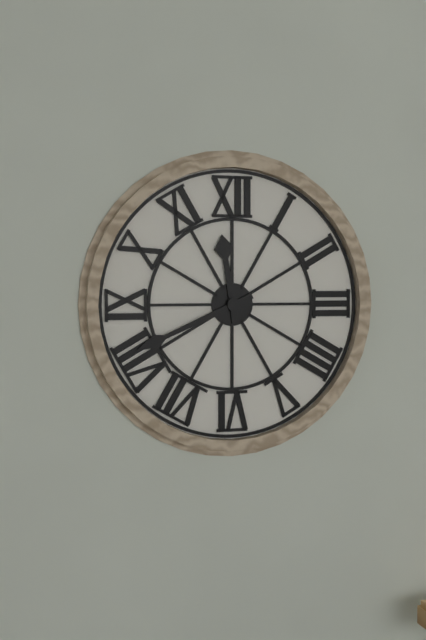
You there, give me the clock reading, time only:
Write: 11:41
